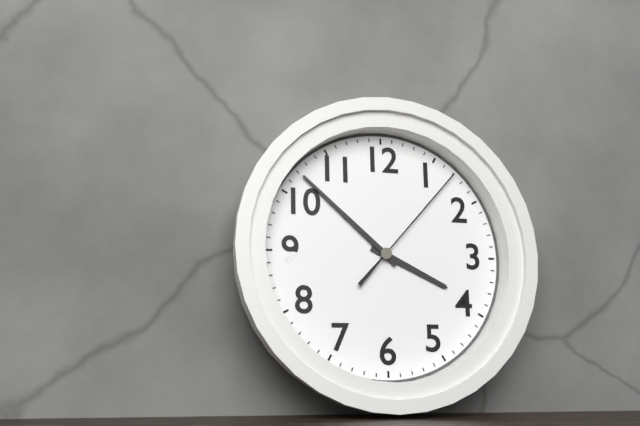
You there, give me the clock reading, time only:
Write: 3:52:07
